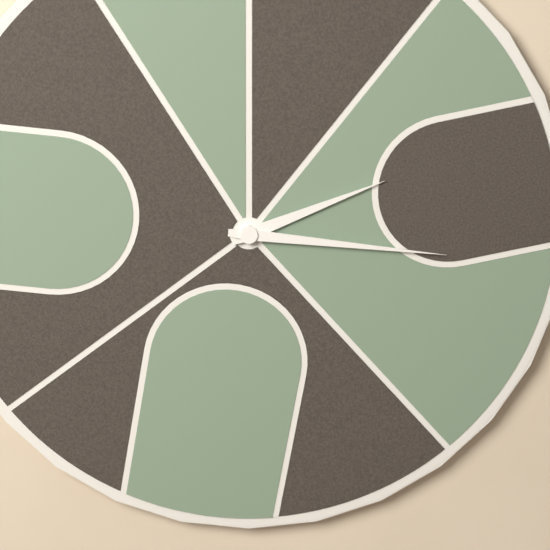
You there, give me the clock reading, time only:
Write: 2:16
